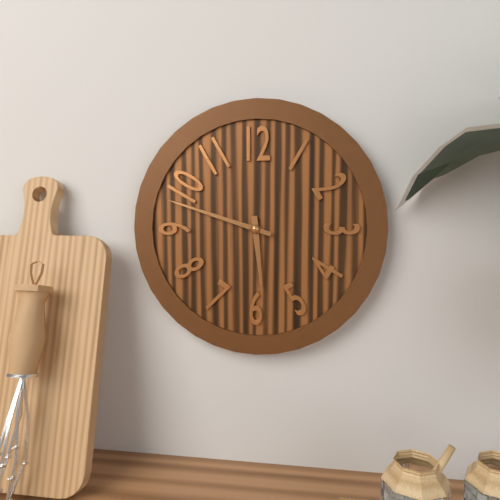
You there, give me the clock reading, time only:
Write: 5:48
